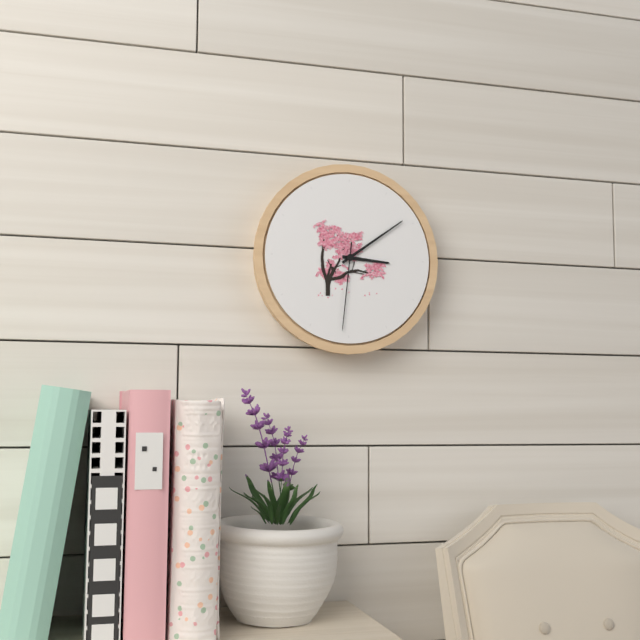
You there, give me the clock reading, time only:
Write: 3:09:31
